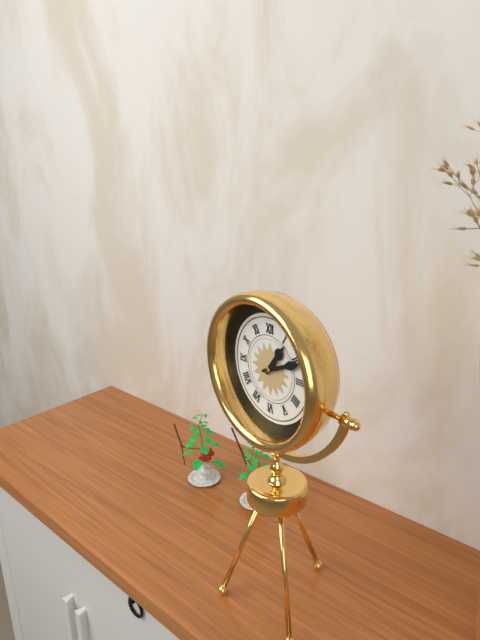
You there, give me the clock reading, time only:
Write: 1:11
